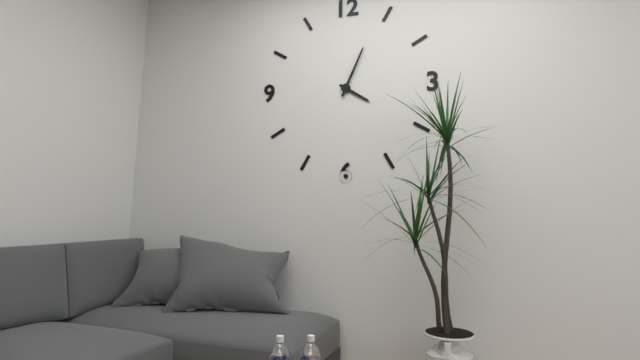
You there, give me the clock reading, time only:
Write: 4:04
